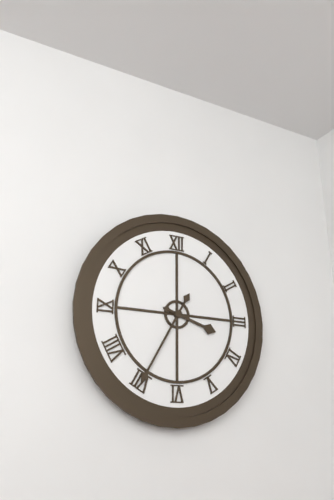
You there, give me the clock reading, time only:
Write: 3:35
